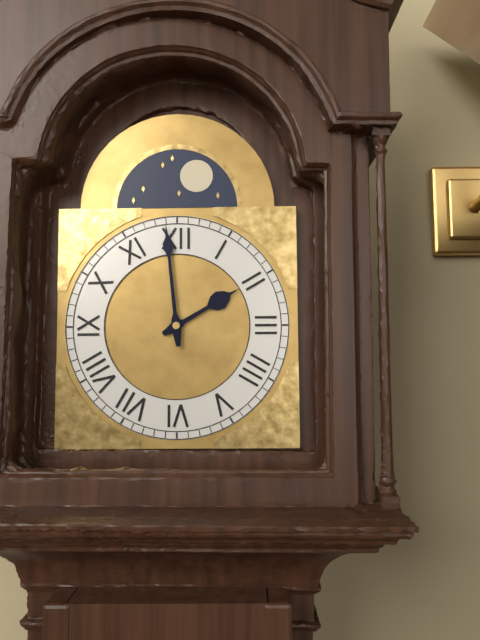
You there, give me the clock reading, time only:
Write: 1:59
